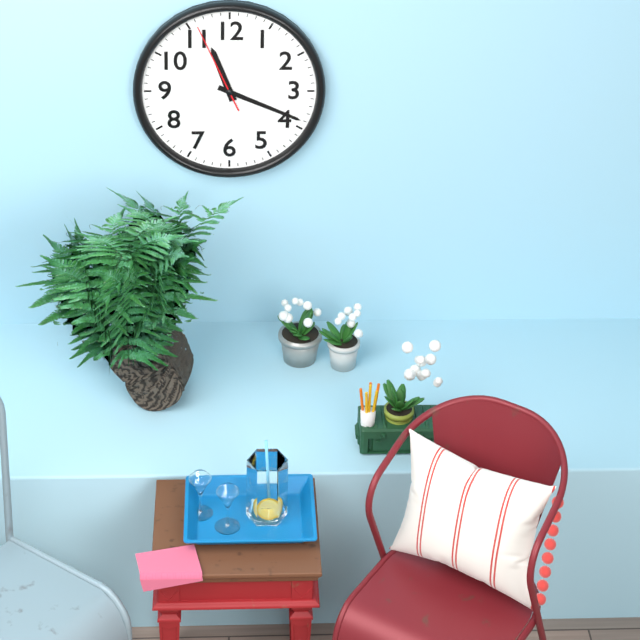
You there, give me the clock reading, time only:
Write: 11:19:56
